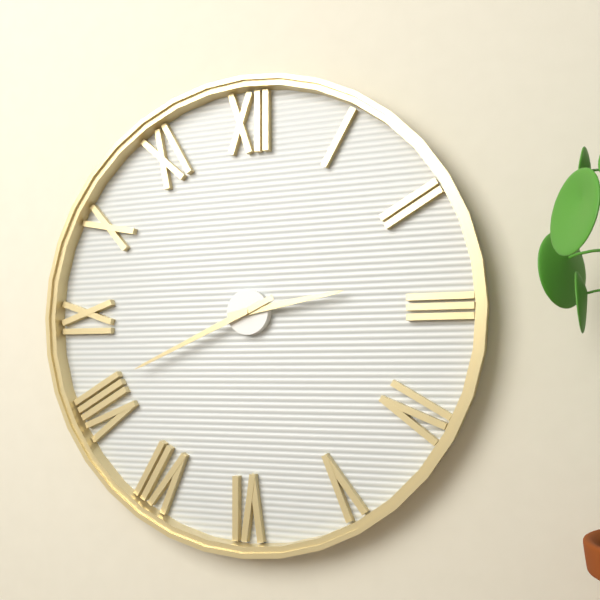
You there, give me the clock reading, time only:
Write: 2:41
